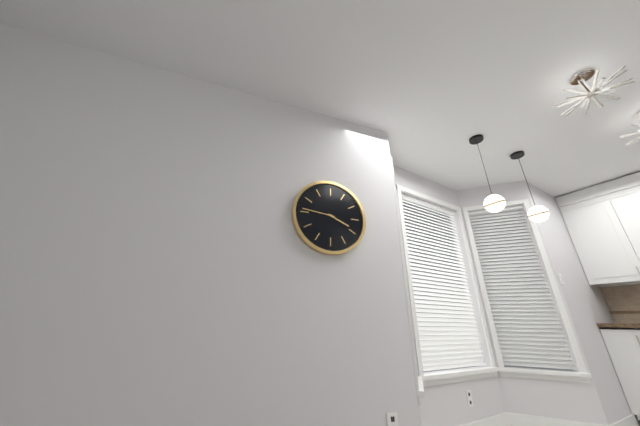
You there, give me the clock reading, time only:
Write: 3:46
